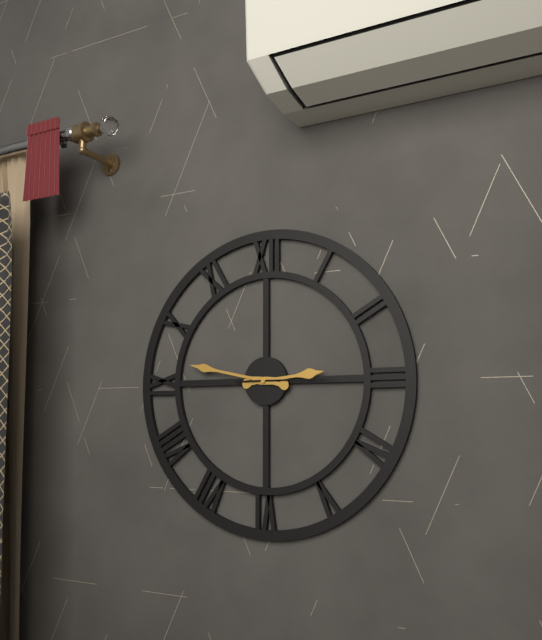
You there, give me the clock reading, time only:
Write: 2:47:15
